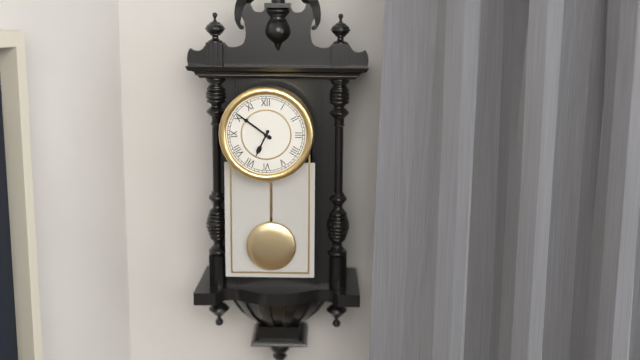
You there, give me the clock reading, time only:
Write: 6:51
